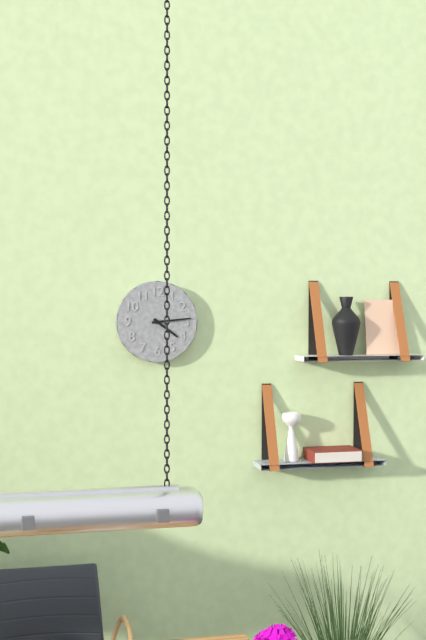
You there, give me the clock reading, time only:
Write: 4:14
